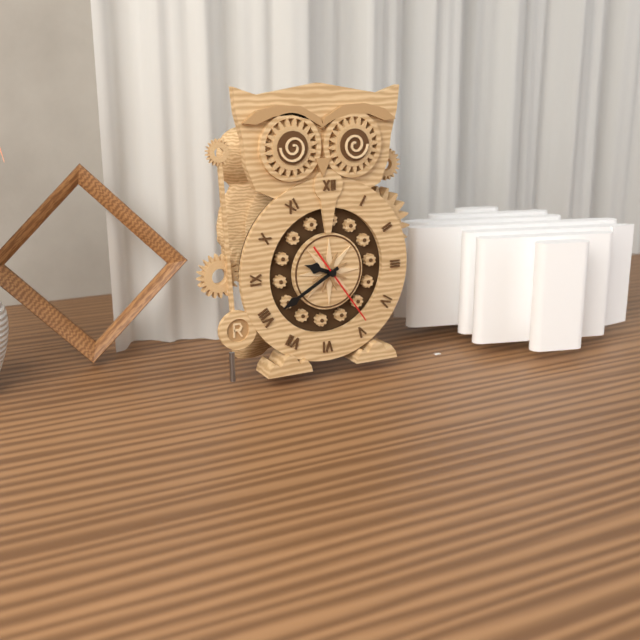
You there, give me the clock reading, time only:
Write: 9:40:24
